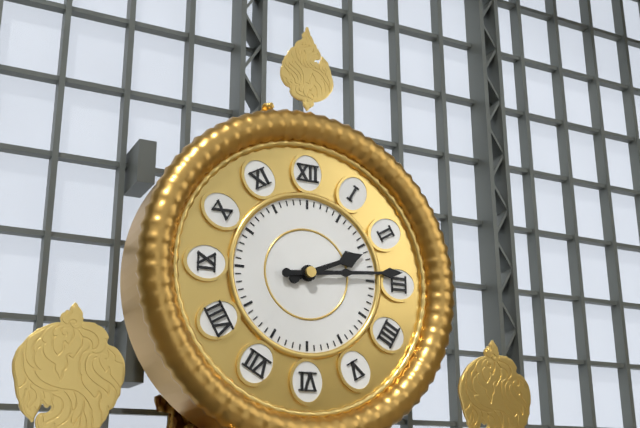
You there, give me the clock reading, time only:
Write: 2:14
